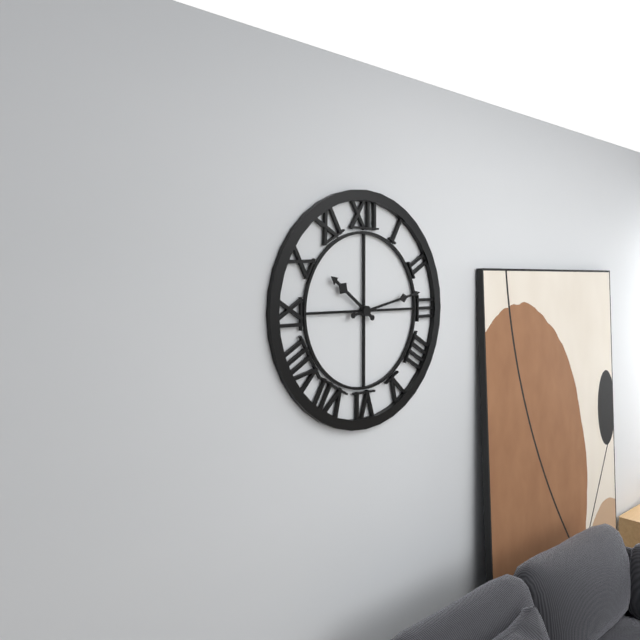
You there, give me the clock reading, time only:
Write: 10:13
